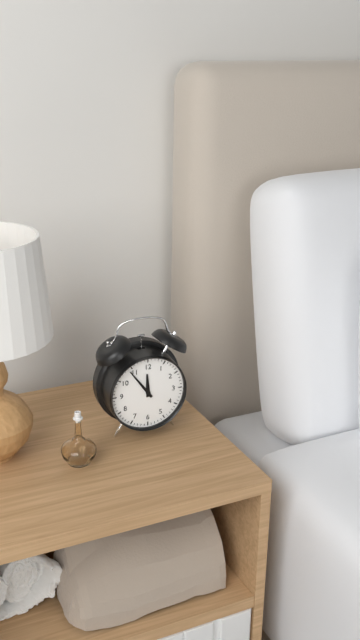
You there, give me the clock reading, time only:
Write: 11:54
